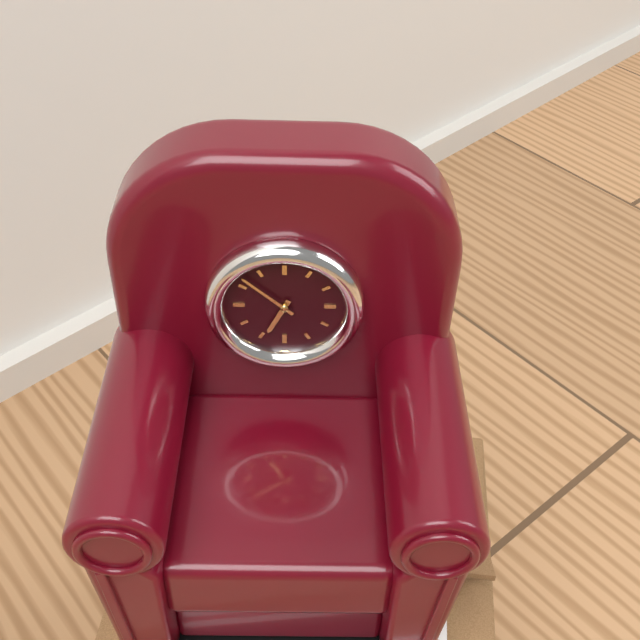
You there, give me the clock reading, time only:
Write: 6:52
